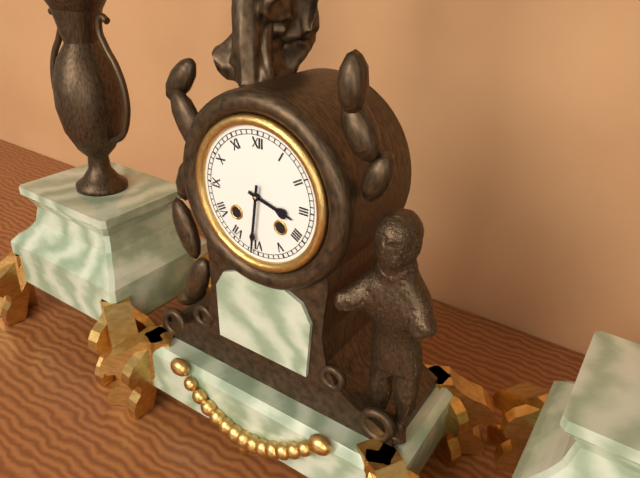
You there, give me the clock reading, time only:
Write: 3:31
